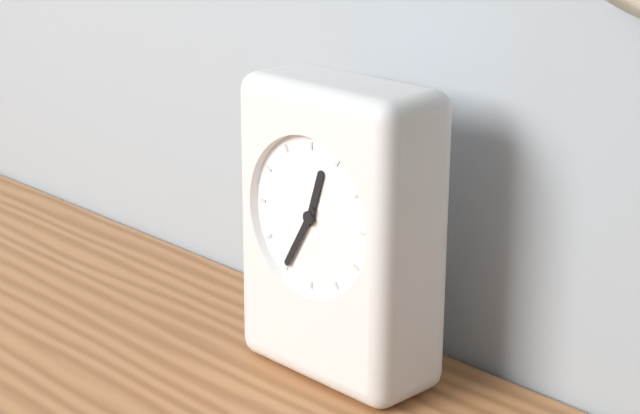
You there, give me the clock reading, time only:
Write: 12:35
